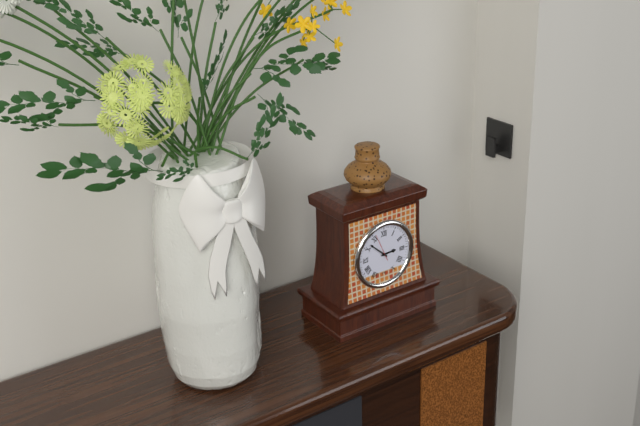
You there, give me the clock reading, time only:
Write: 2:52
